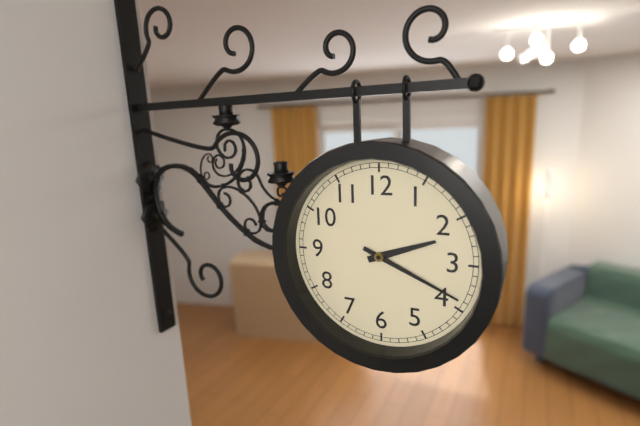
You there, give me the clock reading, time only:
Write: 2:19
